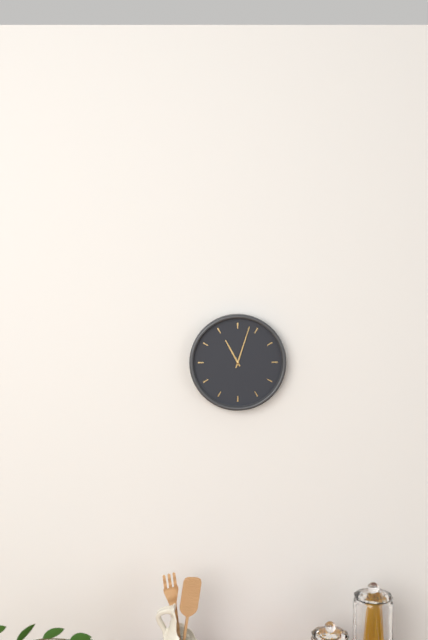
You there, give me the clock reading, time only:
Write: 11:03
